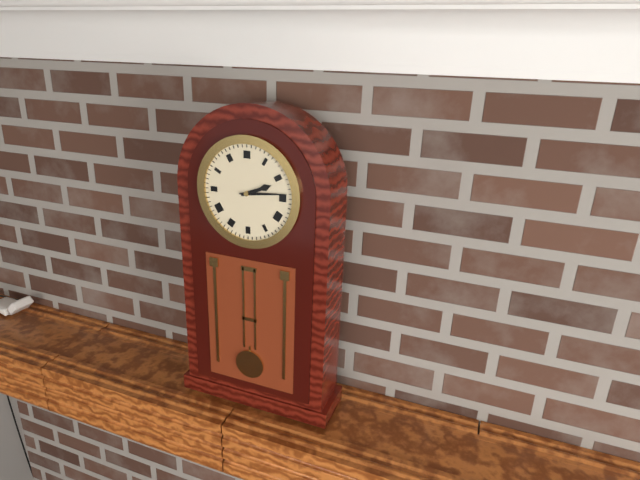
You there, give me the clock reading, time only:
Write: 2:14
